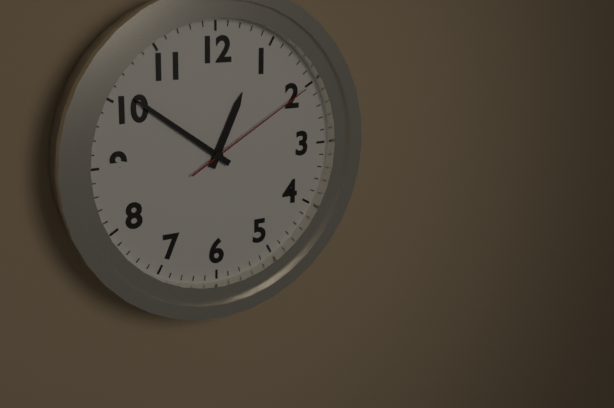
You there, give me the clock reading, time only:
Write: 12:51:10
